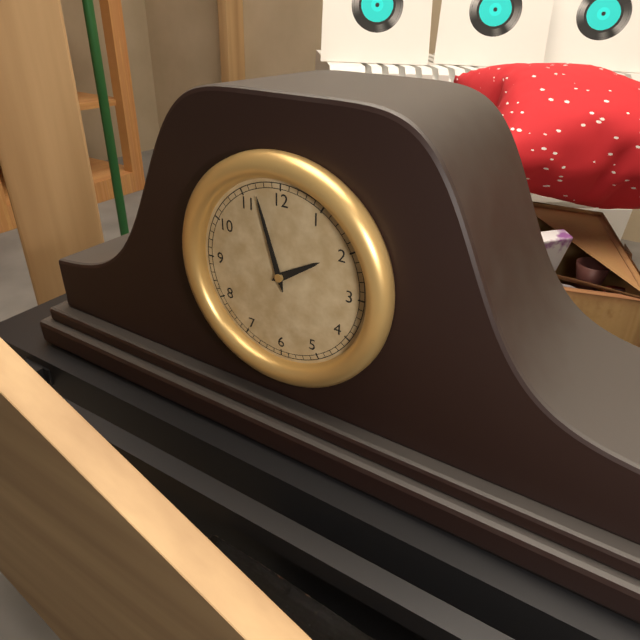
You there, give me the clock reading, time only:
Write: 1:57
